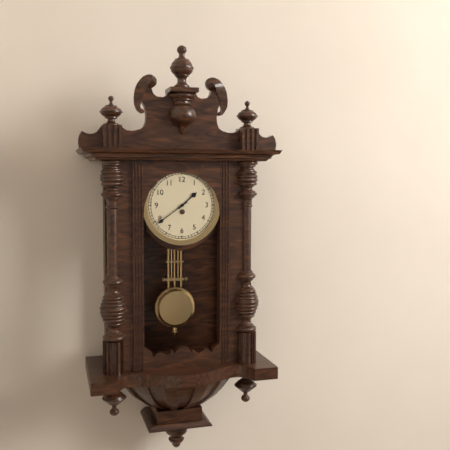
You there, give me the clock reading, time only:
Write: 1:39
